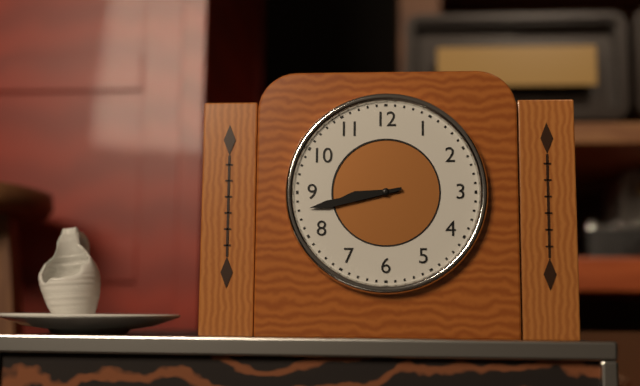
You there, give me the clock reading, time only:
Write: 8:43
